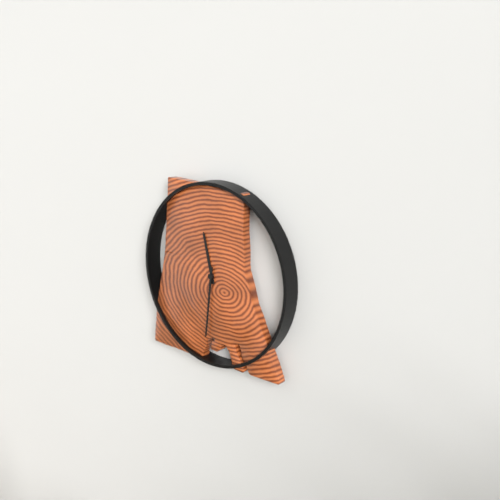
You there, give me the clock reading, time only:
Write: 11:31
